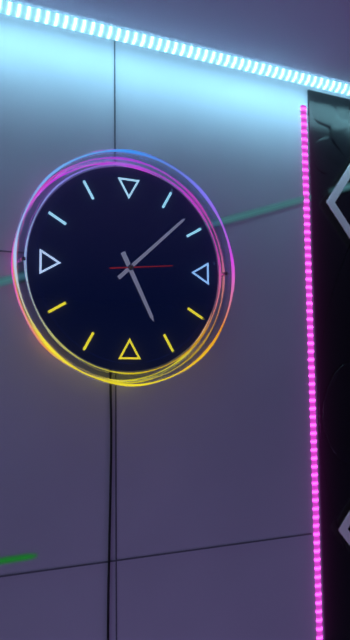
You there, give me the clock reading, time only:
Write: 5:08:14
